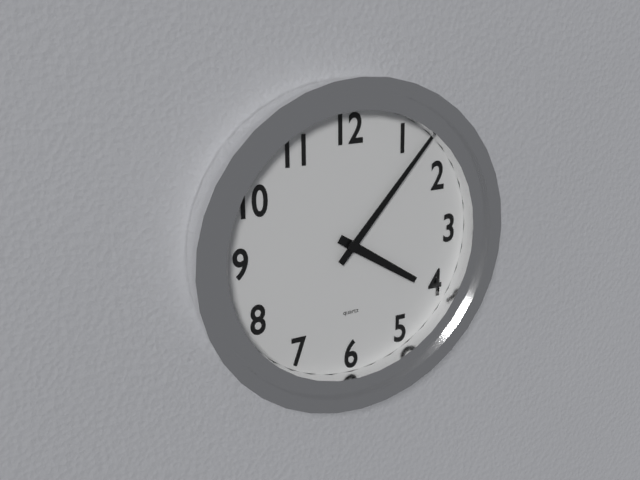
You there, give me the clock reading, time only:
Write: 4:07
